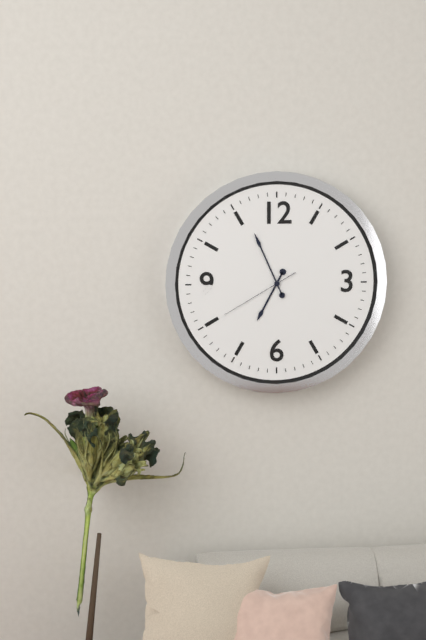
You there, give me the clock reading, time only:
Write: 6:56:40
